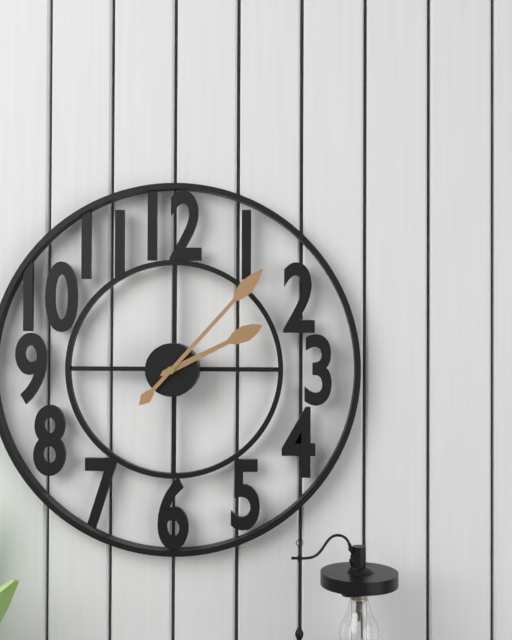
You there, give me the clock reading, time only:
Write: 2:07
